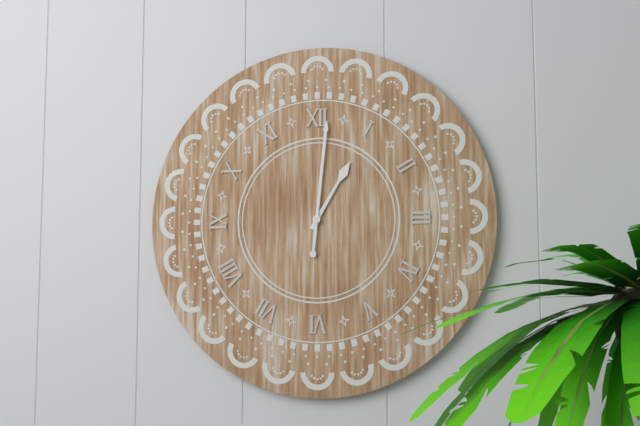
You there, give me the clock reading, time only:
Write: 1:01
